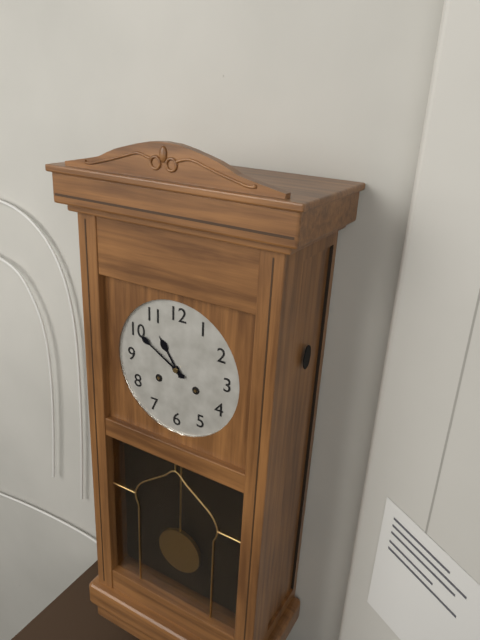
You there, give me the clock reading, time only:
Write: 10:50
